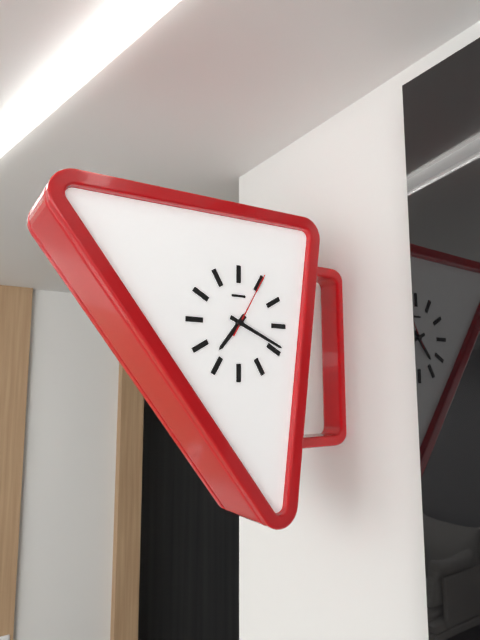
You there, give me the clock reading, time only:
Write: 7:19:05
